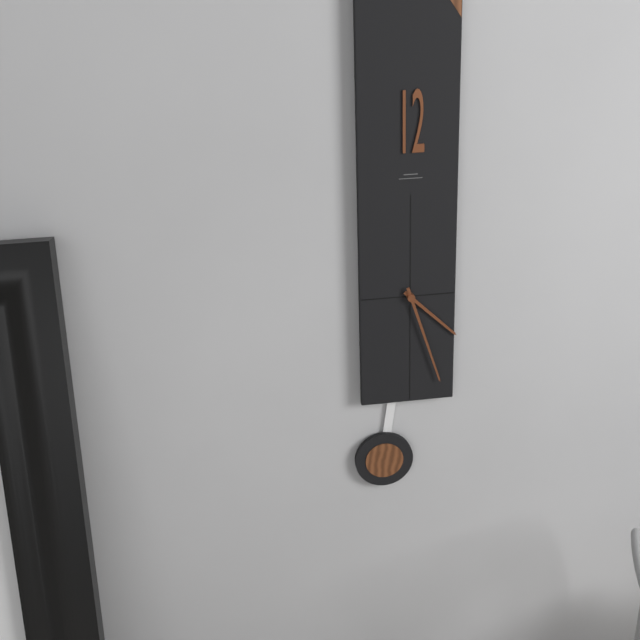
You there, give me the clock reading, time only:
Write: 4:27
